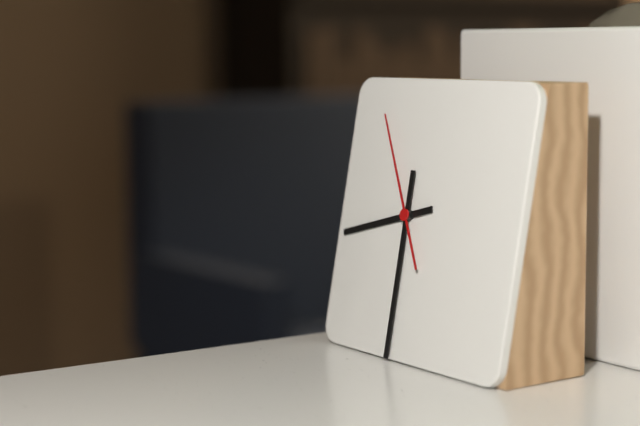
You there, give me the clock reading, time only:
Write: 8:30:55
